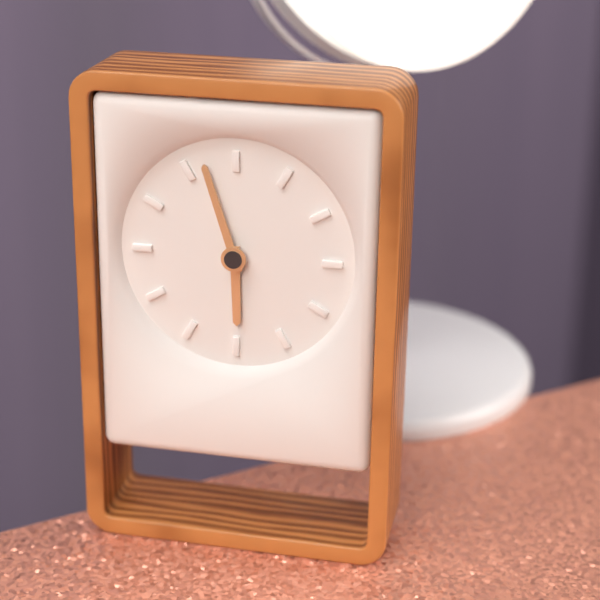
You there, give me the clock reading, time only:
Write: 5:57
